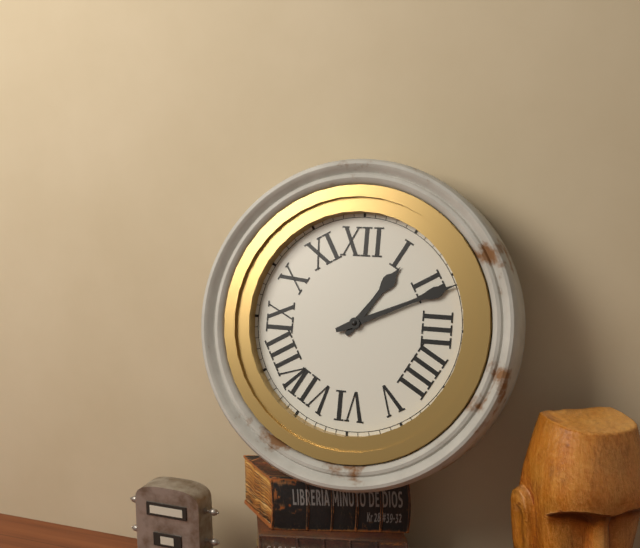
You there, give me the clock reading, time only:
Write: 1:11
